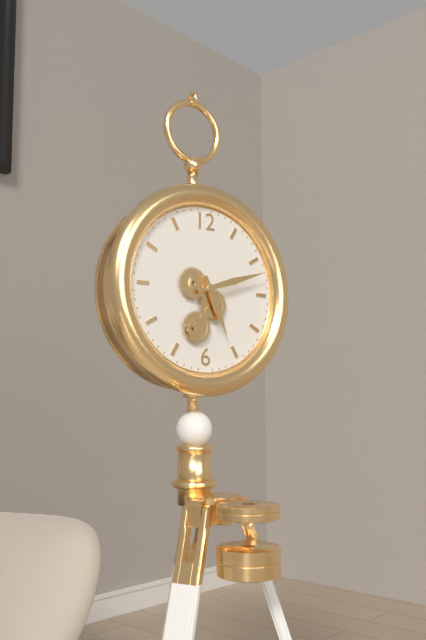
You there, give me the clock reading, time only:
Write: 5:12
